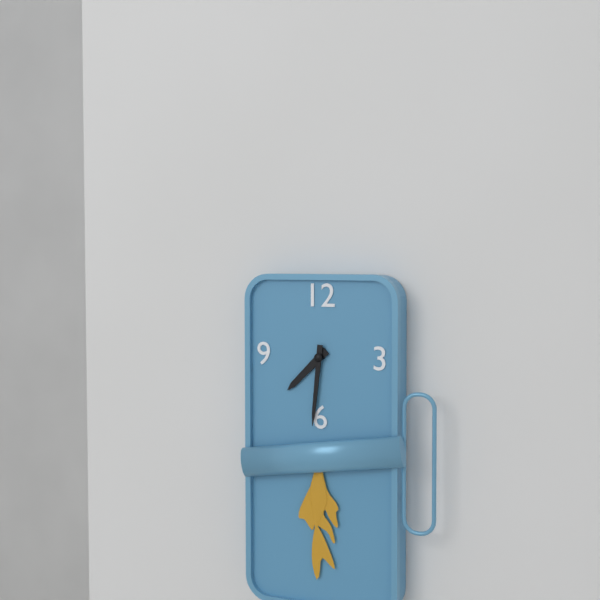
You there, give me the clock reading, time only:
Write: 7:31
